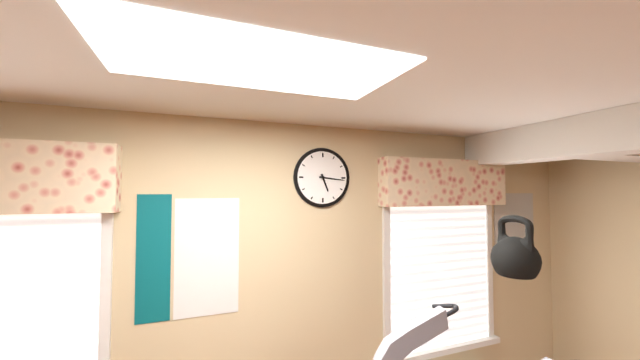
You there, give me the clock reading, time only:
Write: 5:16
